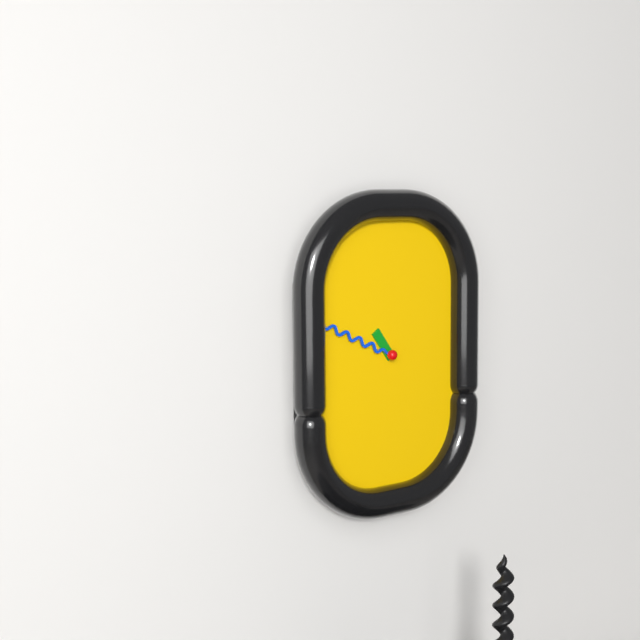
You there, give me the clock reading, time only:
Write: 10:49
